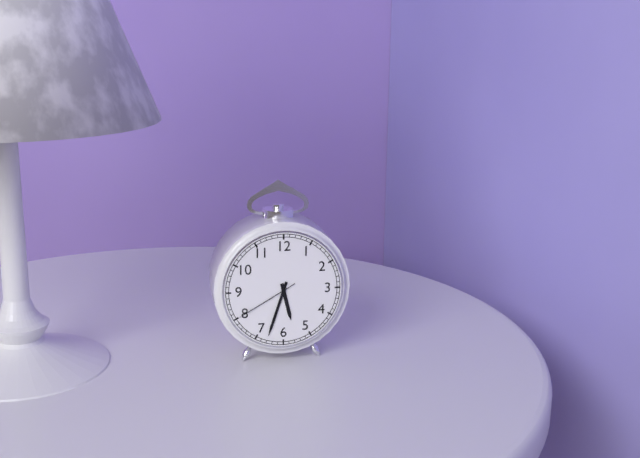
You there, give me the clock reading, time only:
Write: 5:33:40
